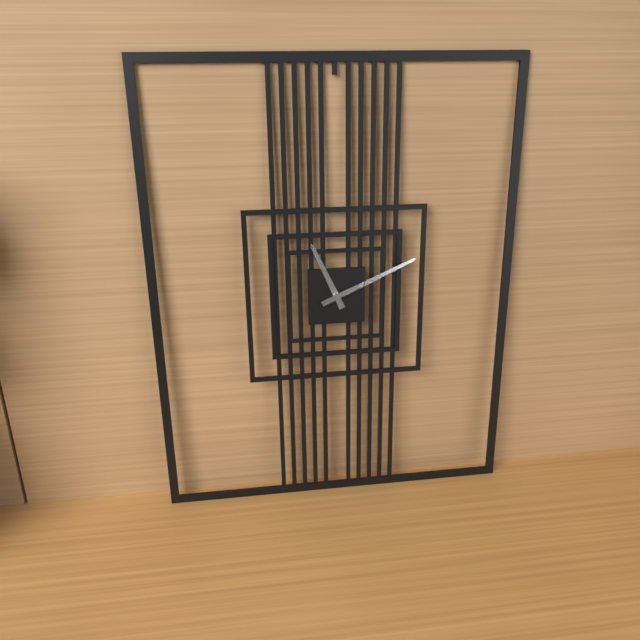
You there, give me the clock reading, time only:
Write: 11:11
